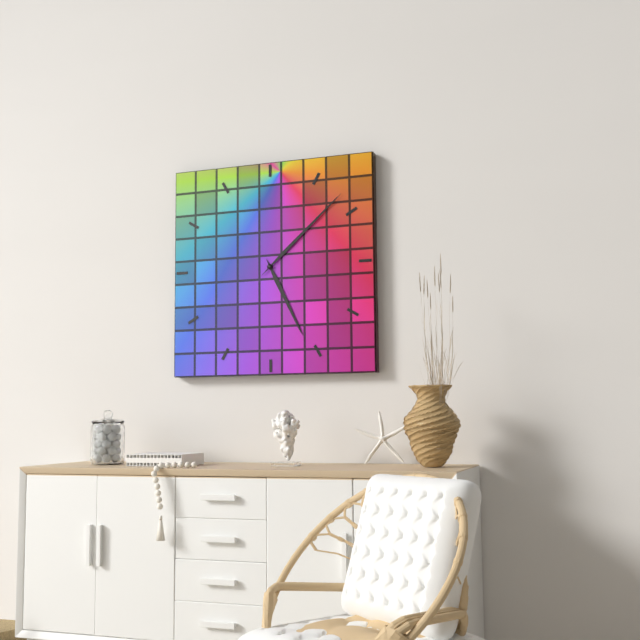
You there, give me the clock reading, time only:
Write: 5:08
